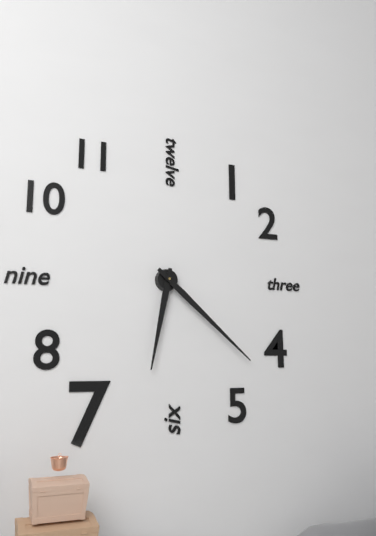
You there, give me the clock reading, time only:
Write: 6:22
